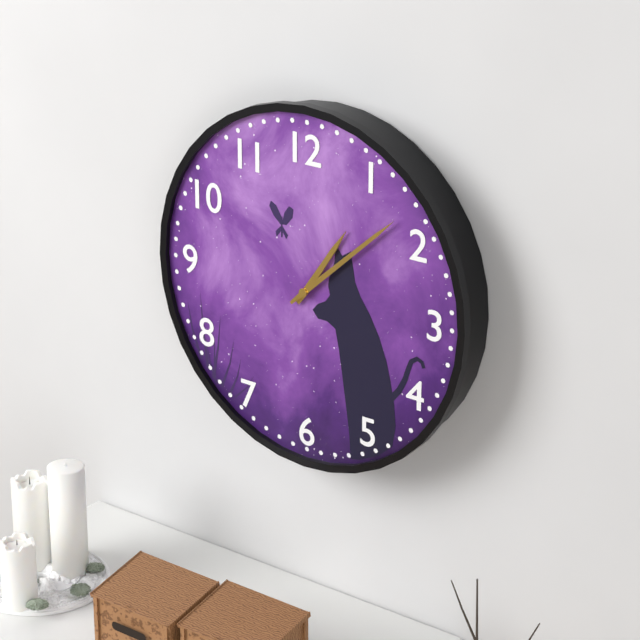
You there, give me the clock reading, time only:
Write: 1:08
